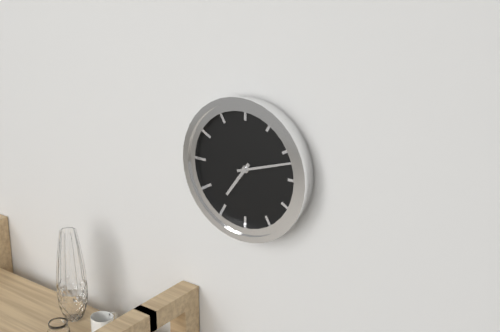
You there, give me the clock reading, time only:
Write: 7:12
